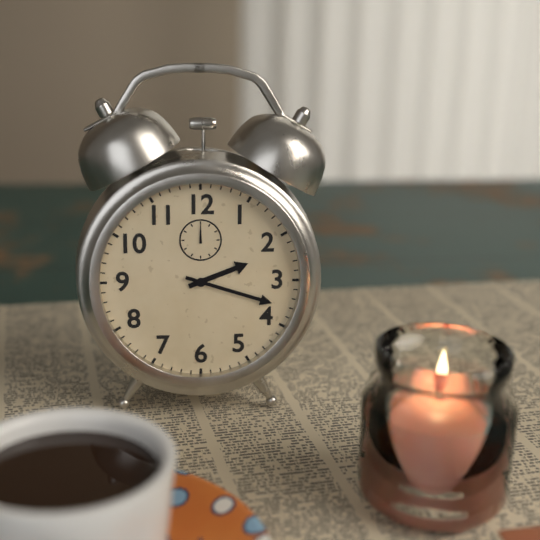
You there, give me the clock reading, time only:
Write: 2:18
